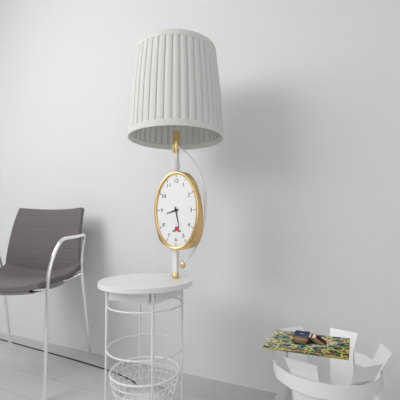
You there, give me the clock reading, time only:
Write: 8:28
